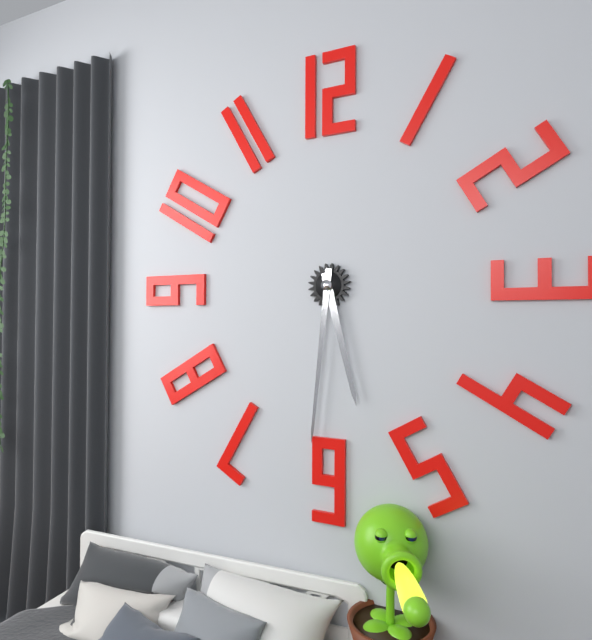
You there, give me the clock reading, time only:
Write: 5:31
